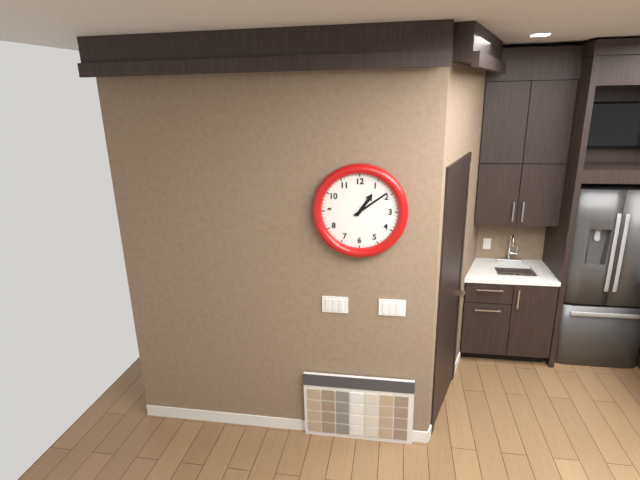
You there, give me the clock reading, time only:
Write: 1:09
